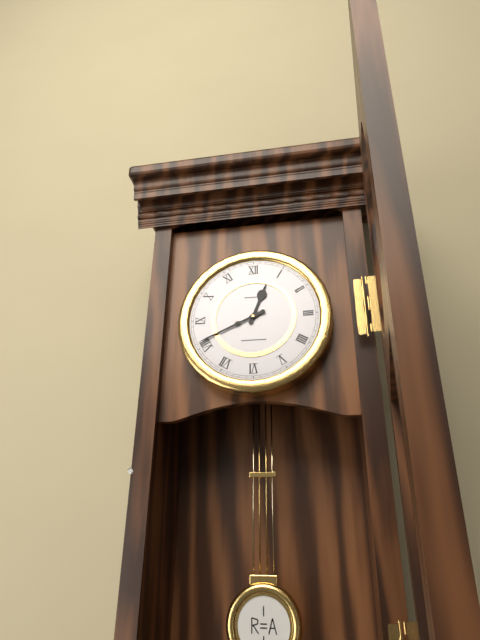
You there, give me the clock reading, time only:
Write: 12:41
